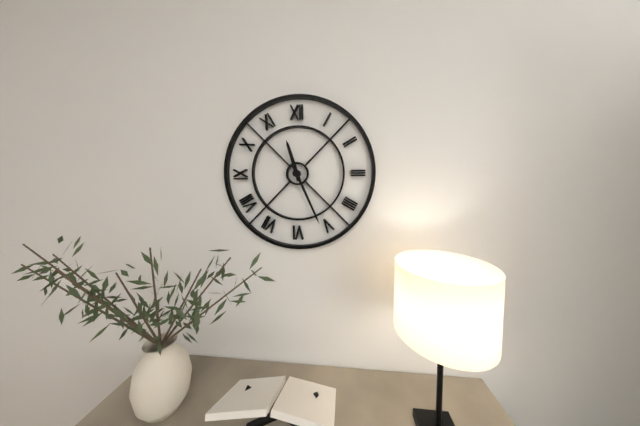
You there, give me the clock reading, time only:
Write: 11:26
